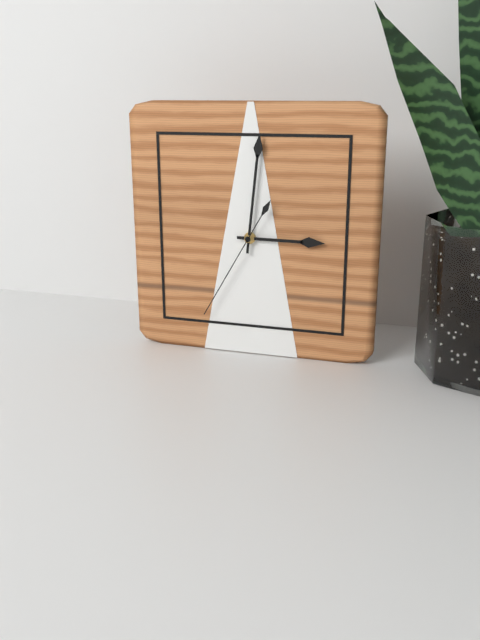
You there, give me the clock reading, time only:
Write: 3:01:35
